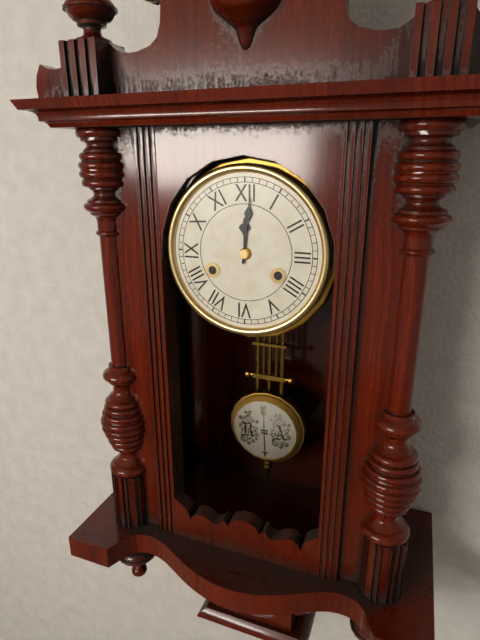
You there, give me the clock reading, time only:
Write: 12:01
